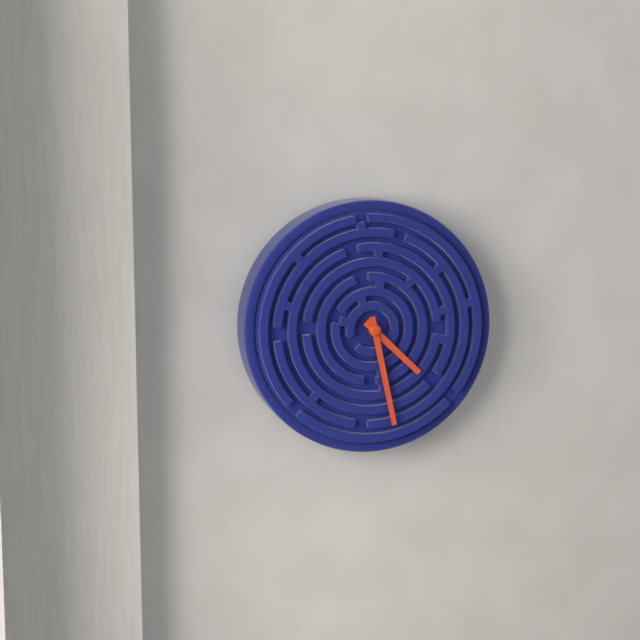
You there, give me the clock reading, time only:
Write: 4:28
